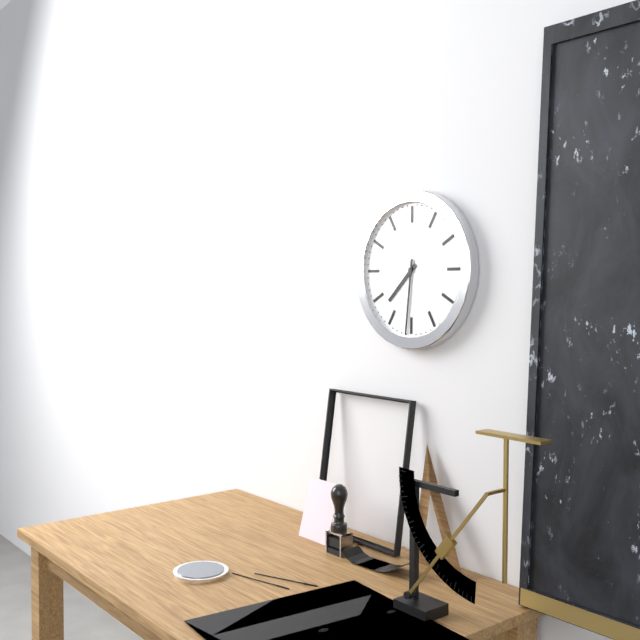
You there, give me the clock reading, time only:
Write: 7:31
